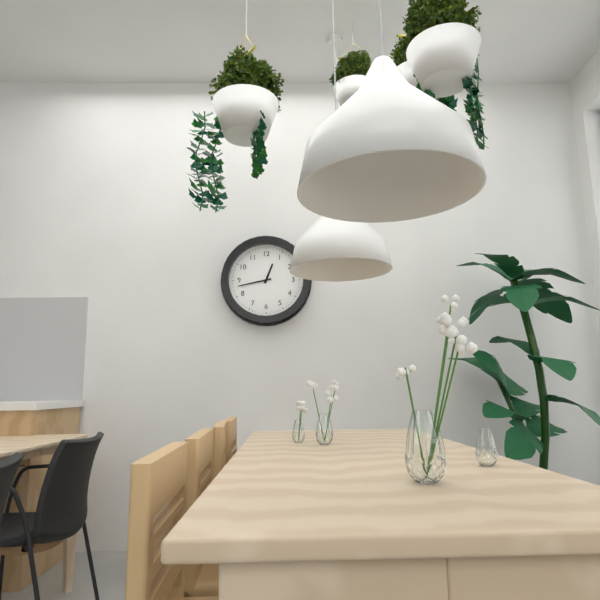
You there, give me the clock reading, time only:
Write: 12:43
